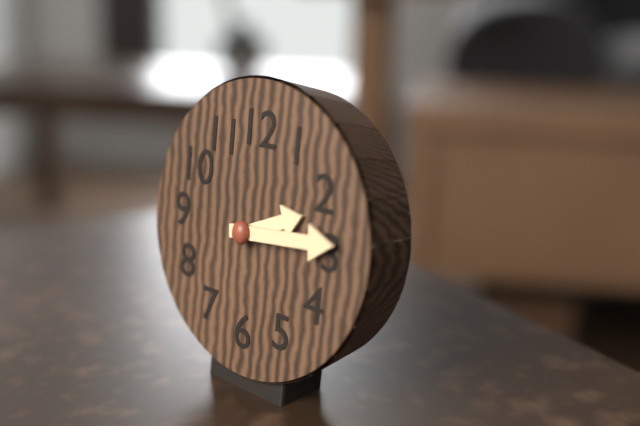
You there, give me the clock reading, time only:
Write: 2:14
